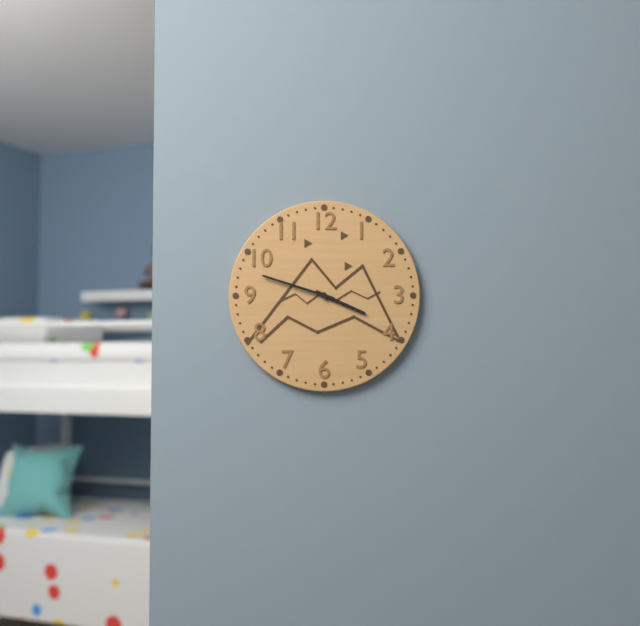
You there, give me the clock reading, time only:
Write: 3:48
